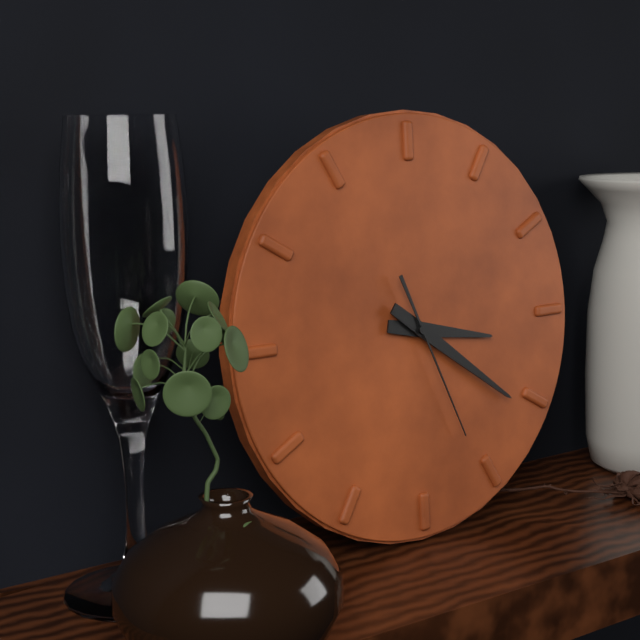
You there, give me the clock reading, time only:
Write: 3:21:26
